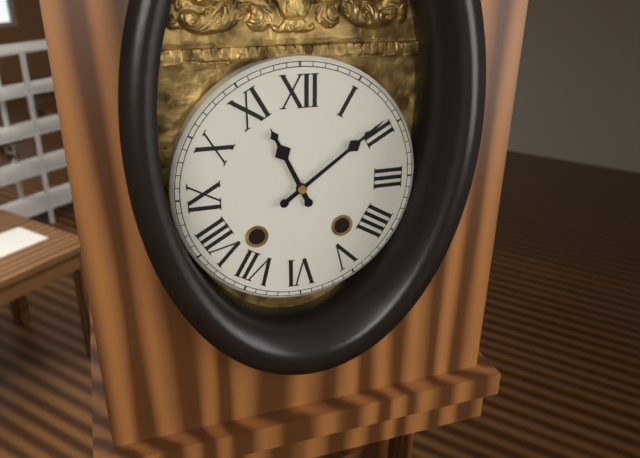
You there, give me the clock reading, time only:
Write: 11:09
